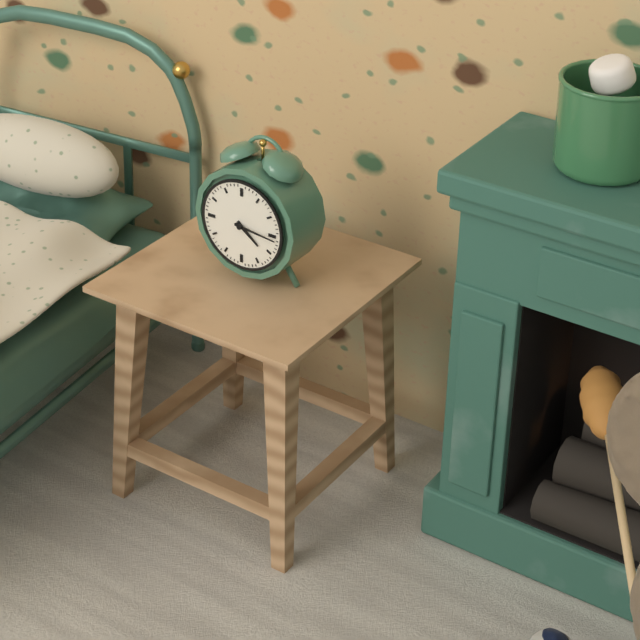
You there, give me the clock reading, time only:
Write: 4:16
